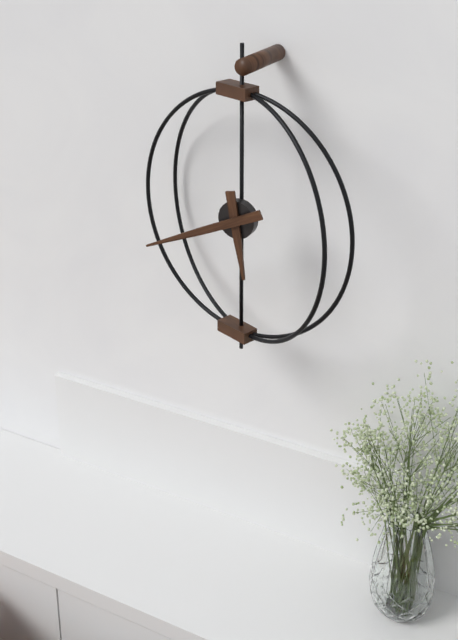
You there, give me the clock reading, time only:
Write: 5:41
